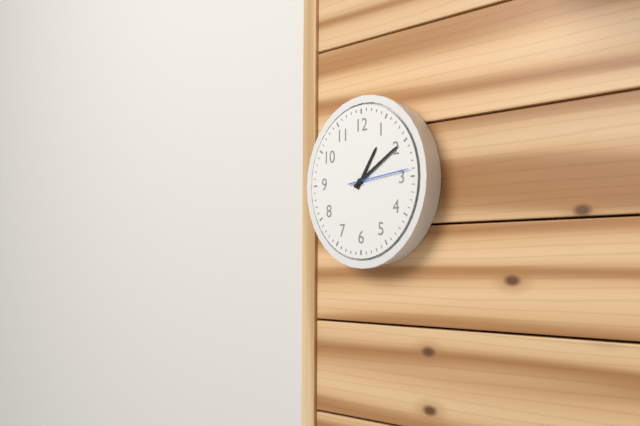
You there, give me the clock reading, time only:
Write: 1:10:14
